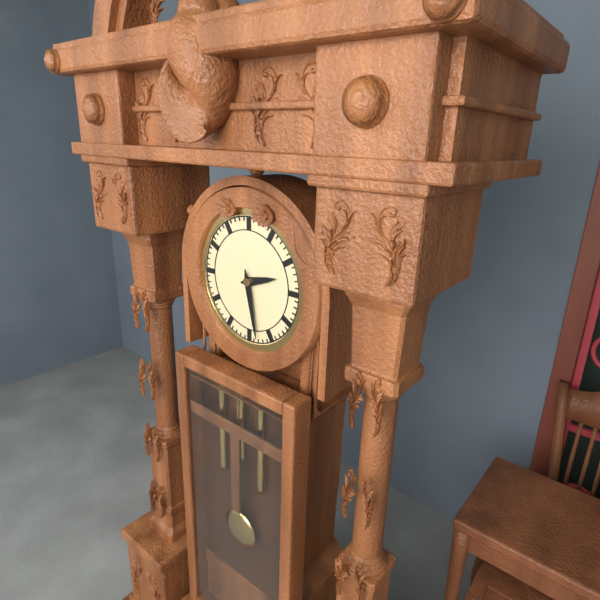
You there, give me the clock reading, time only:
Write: 2:28
